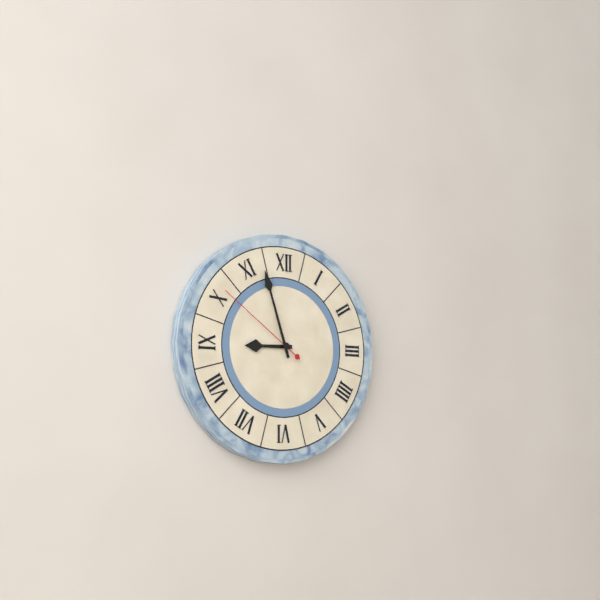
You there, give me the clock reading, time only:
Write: 8:57:51
